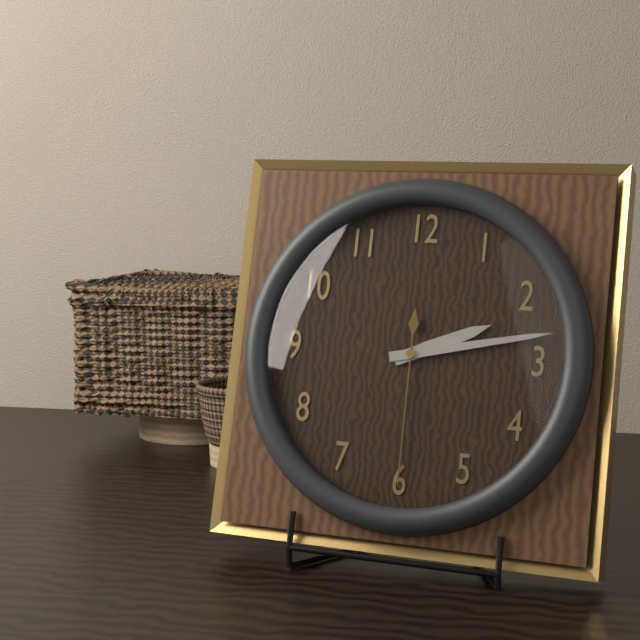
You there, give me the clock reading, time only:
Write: 2:13:30
